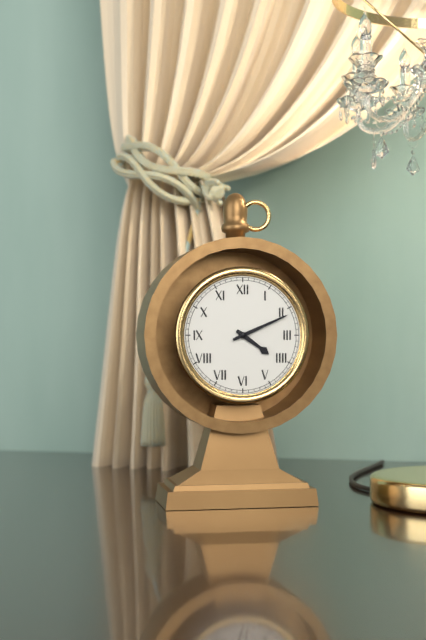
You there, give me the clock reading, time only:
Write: 4:11
